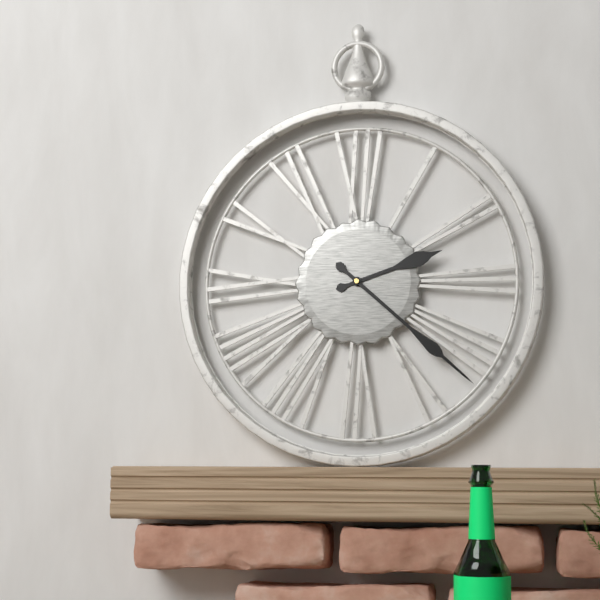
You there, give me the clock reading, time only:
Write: 2:22
